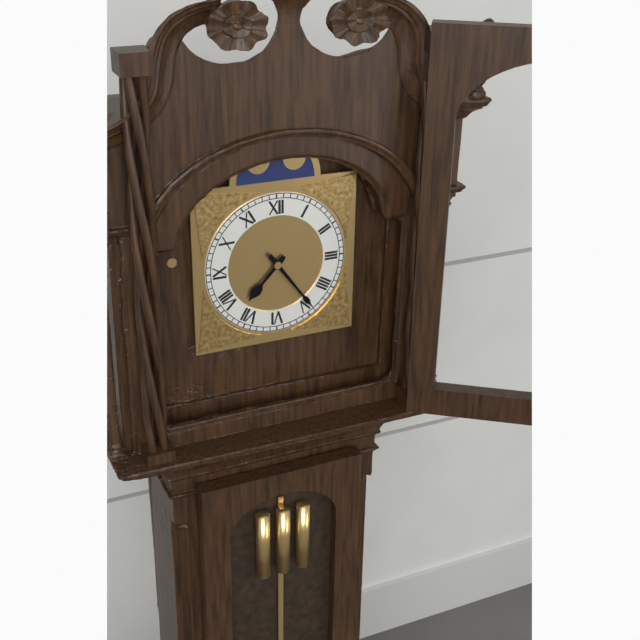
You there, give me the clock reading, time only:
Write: 7:24
